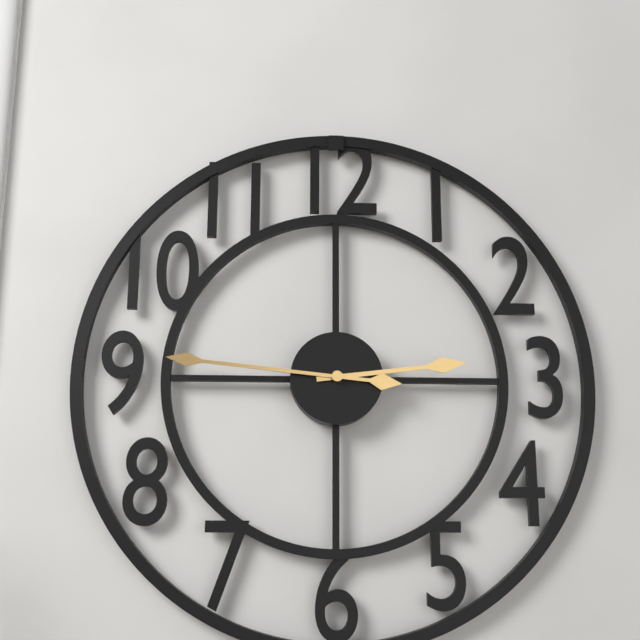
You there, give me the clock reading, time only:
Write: 2:46
